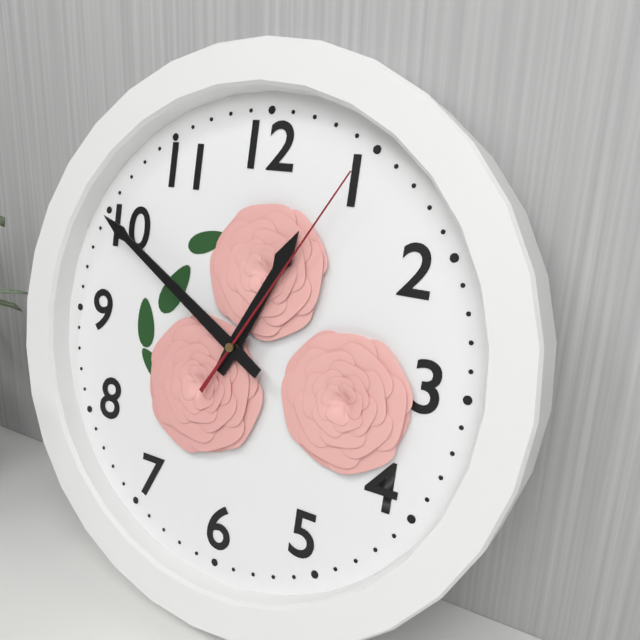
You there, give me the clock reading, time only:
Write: 12:50:05
